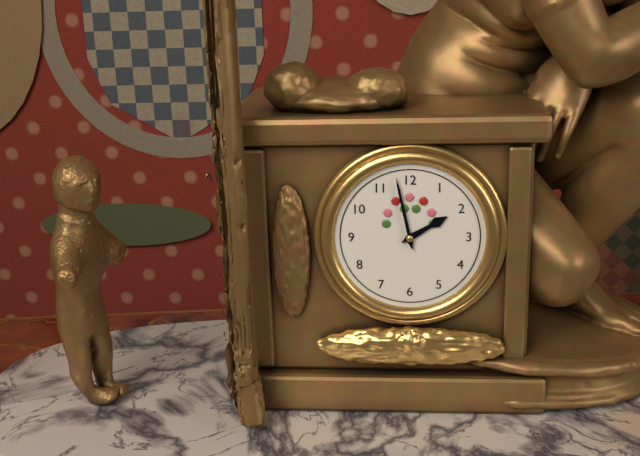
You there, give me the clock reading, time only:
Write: 1:58
